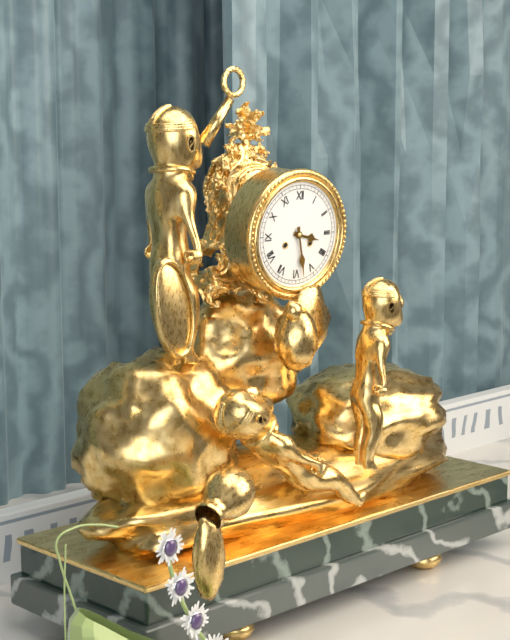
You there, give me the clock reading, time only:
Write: 3:28
